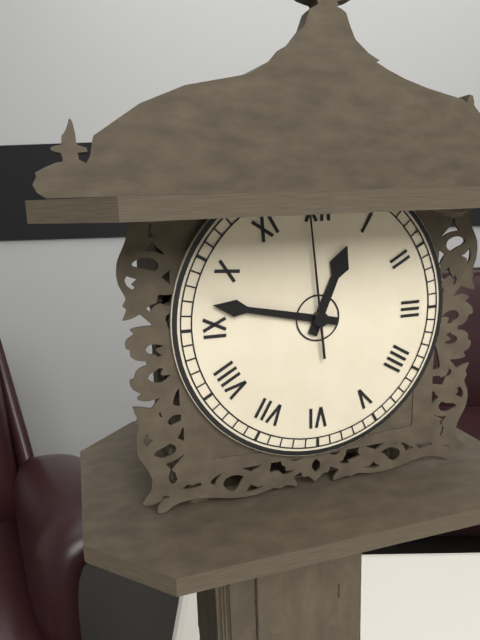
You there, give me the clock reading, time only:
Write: 12:47:59
